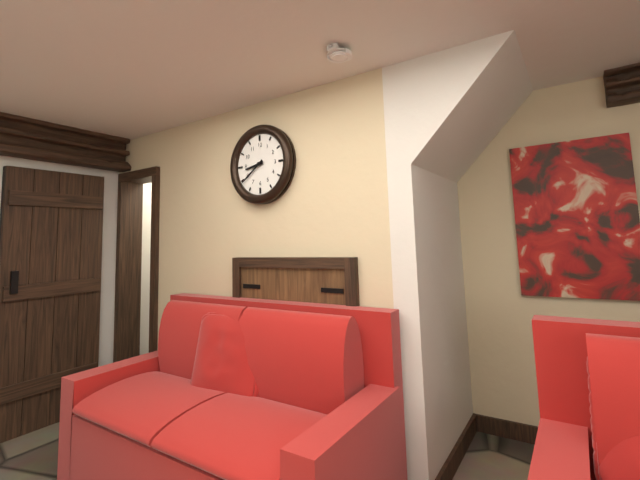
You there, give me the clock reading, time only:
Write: 8:39
